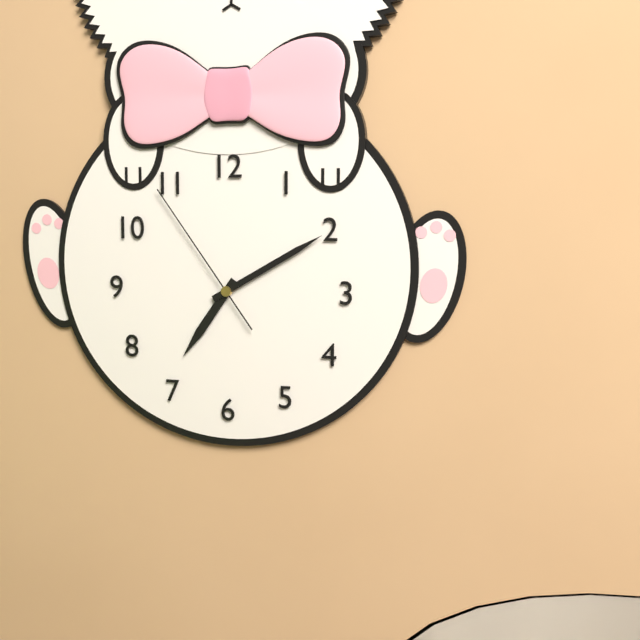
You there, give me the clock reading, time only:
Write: 7:10:54
